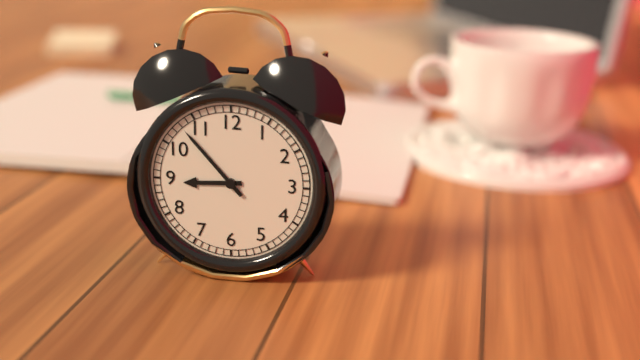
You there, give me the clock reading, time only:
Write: 8:53
